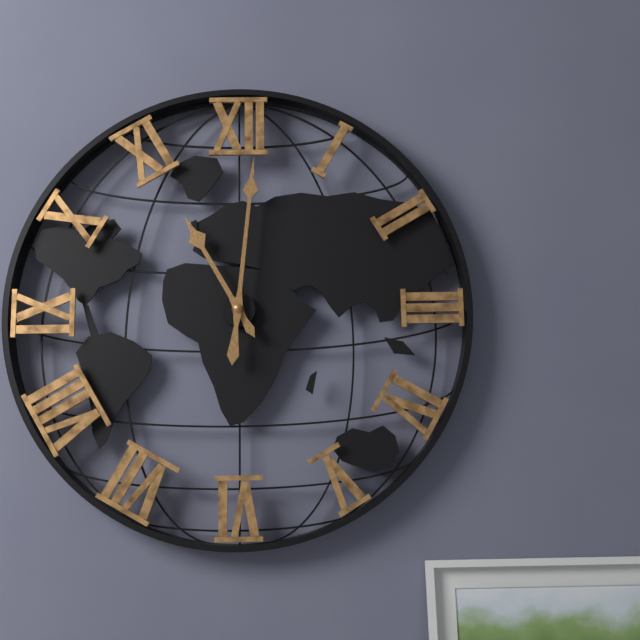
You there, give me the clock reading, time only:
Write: 11:01
